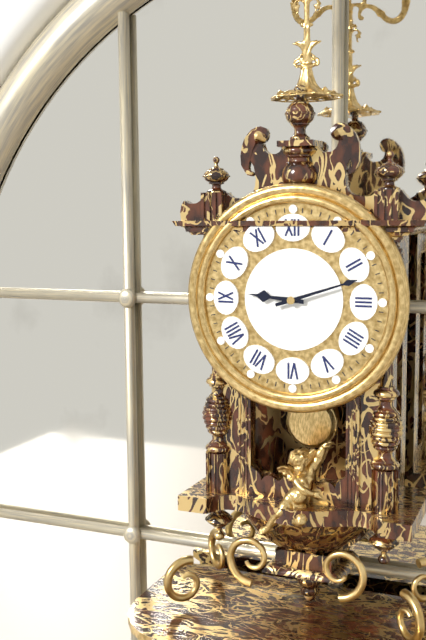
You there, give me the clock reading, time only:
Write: 9:12
